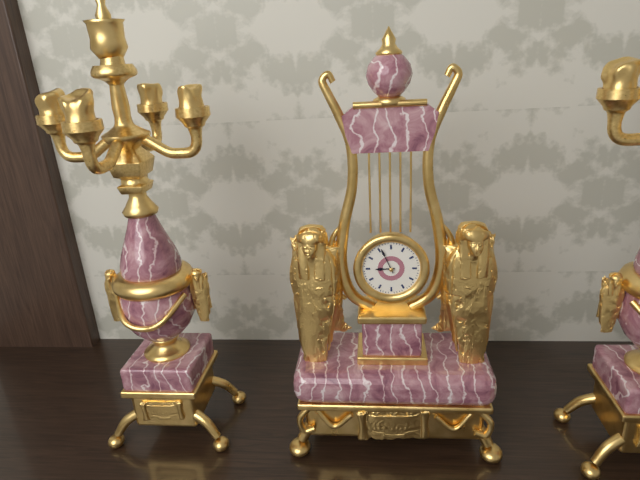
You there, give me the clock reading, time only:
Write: 8:56
